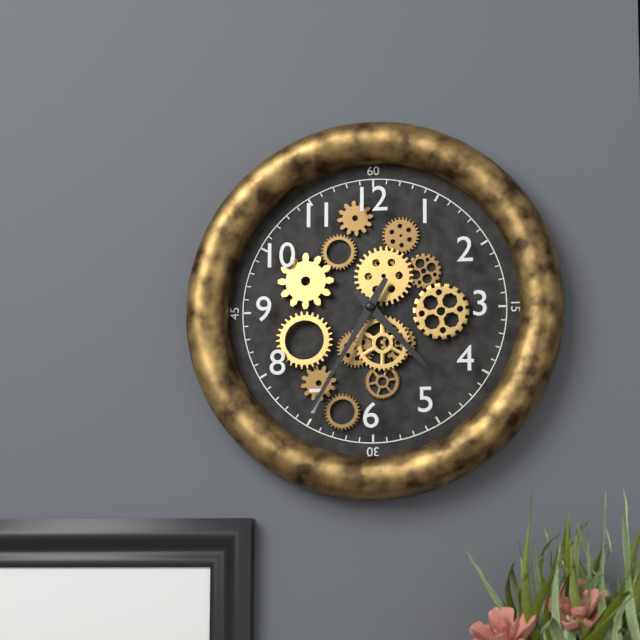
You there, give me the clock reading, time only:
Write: 4:35
